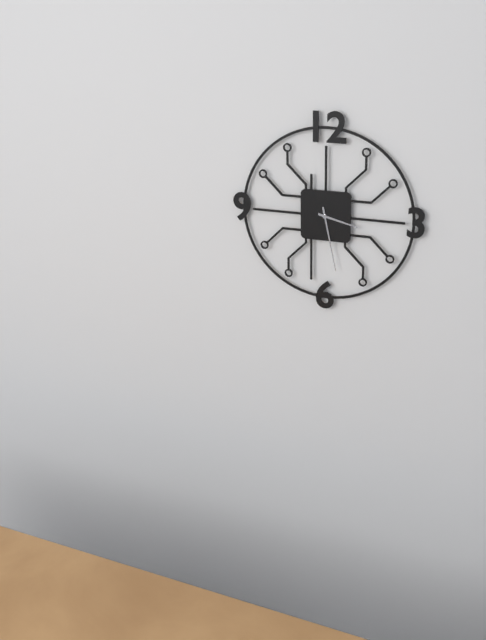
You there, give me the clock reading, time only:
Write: 3:28
